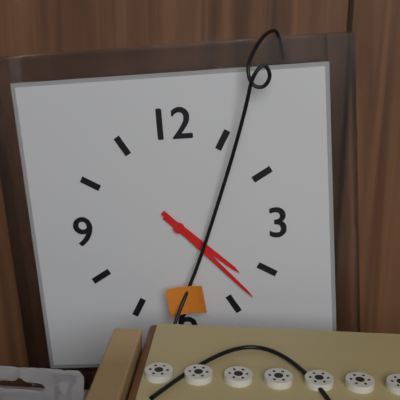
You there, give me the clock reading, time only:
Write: 4:23
